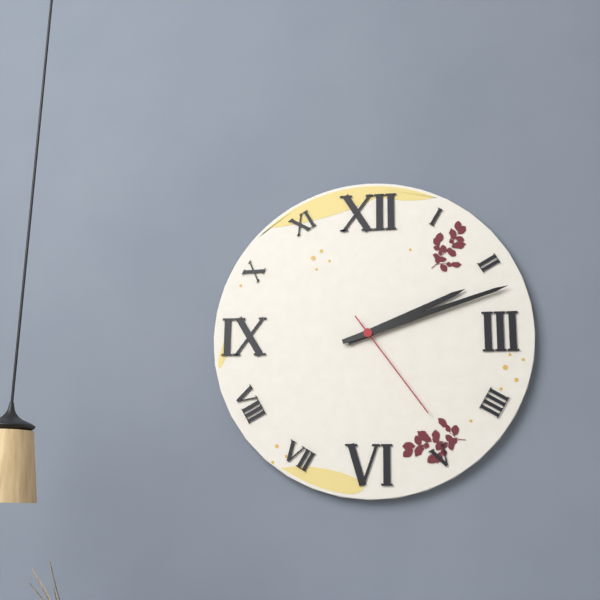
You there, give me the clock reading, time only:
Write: 2:12:24
